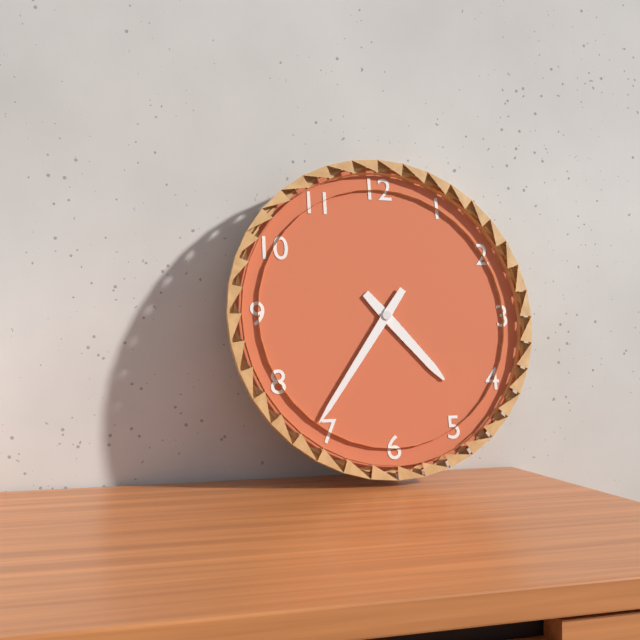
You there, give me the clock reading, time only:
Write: 4:36
